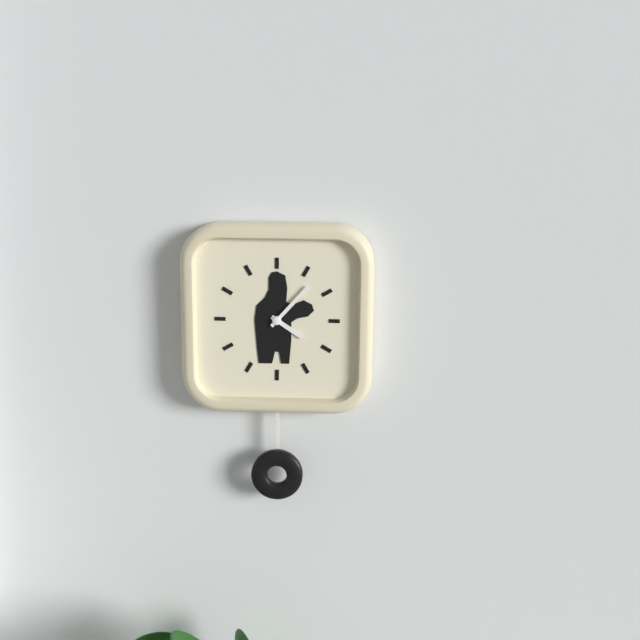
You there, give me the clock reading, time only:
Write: 4:07
